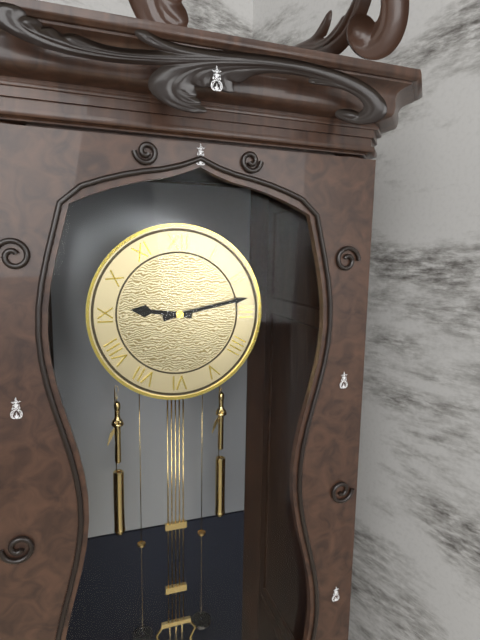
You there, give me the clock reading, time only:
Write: 9:13
